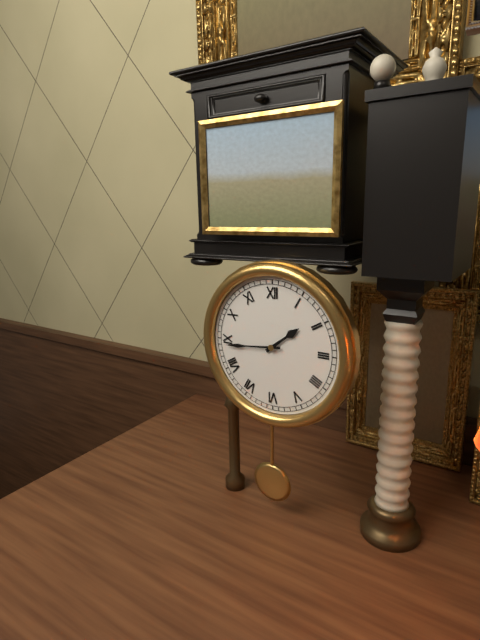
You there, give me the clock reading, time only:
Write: 1:44
